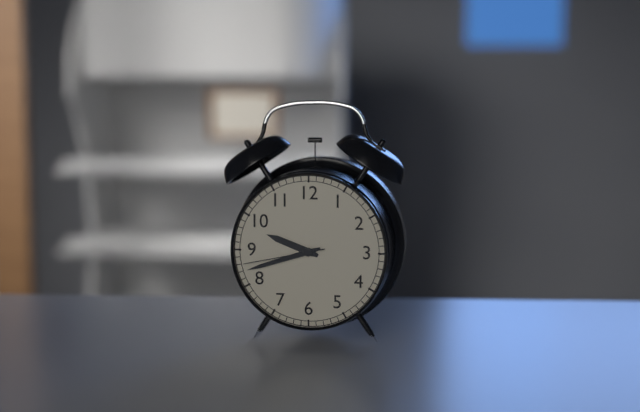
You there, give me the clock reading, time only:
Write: 9:42:43
